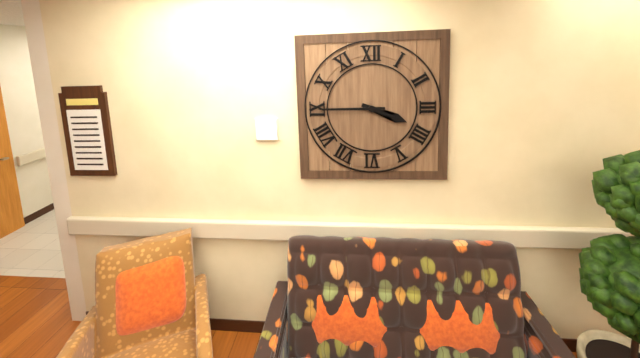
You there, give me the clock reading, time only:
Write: 3:45
